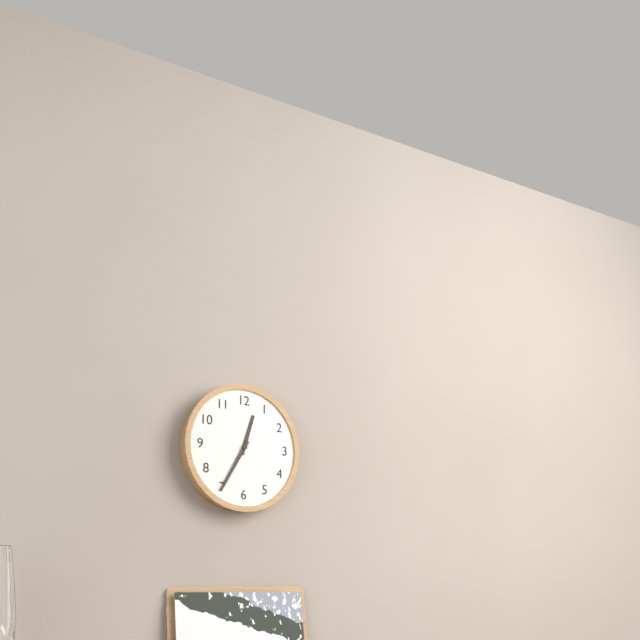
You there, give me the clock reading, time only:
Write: 12:35
